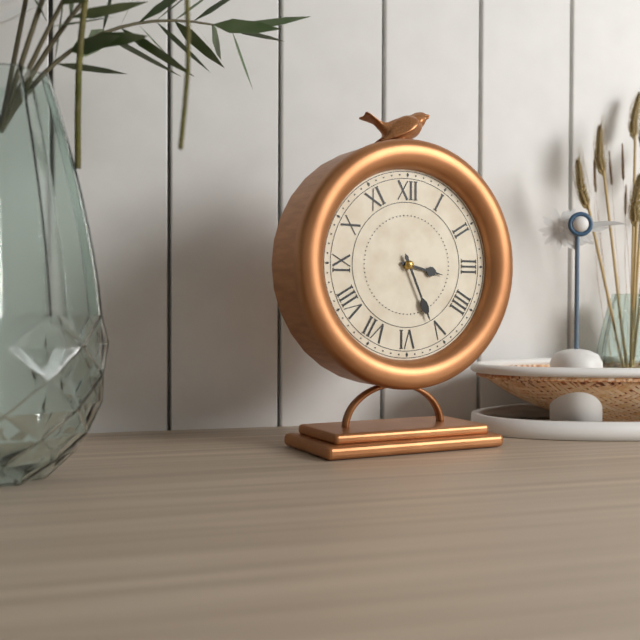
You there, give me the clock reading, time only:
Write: 3:26
